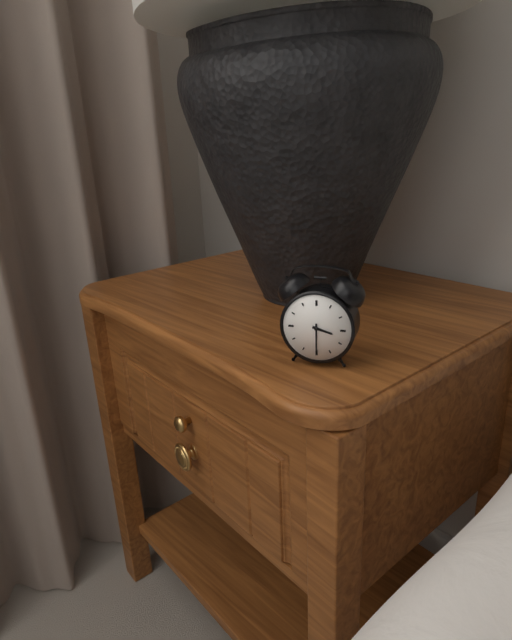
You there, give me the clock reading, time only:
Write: 3:30
